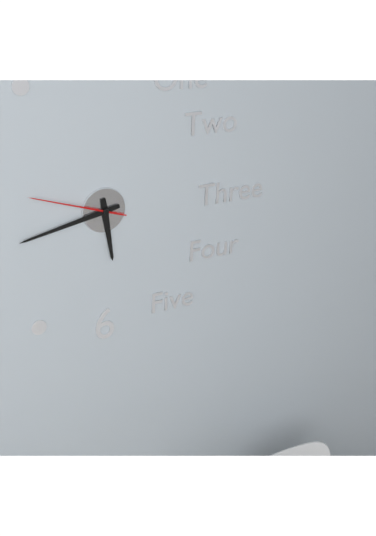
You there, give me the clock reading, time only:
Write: 5:43:48
